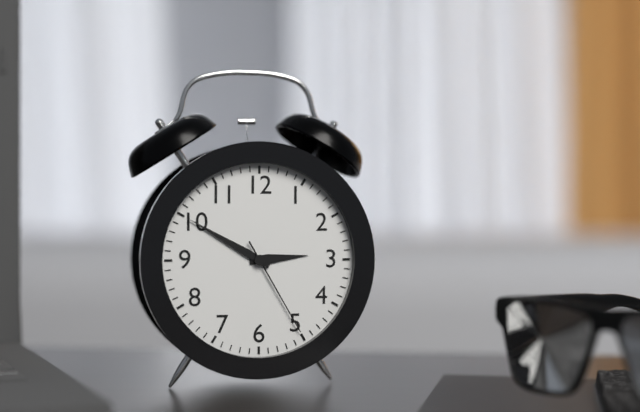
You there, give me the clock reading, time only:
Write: 2:50:25
